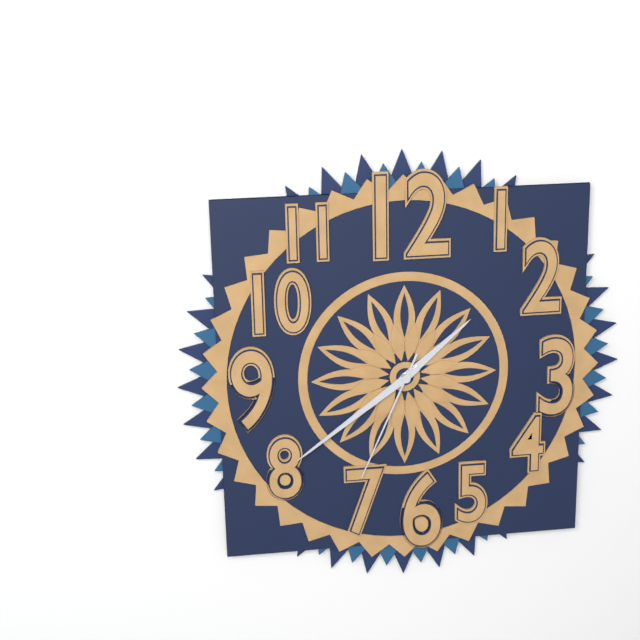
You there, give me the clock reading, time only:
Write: 1:39:34
